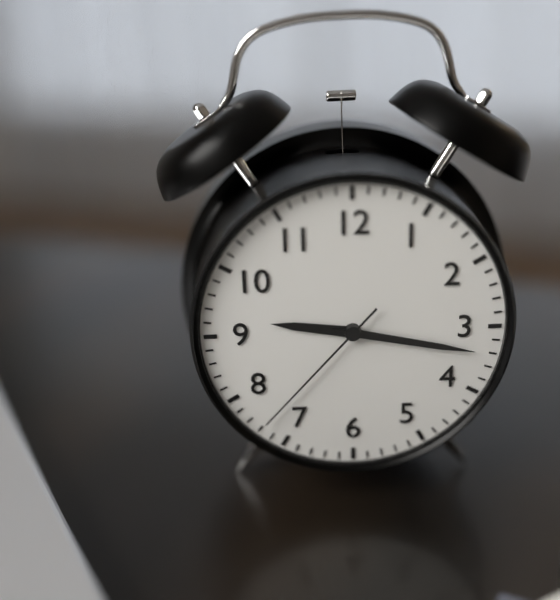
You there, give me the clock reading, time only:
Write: 9:17:37
